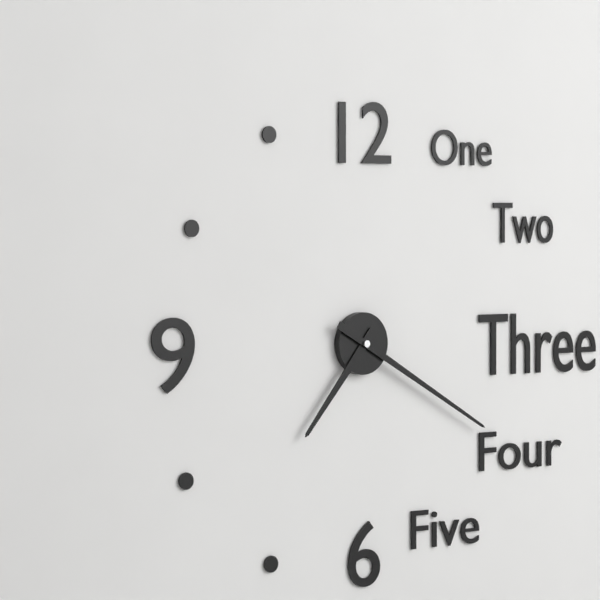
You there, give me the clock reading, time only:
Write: 7:20
